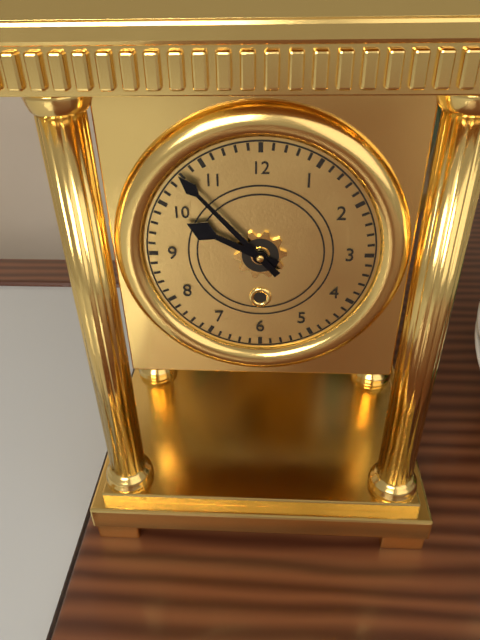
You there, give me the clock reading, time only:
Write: 9:53
